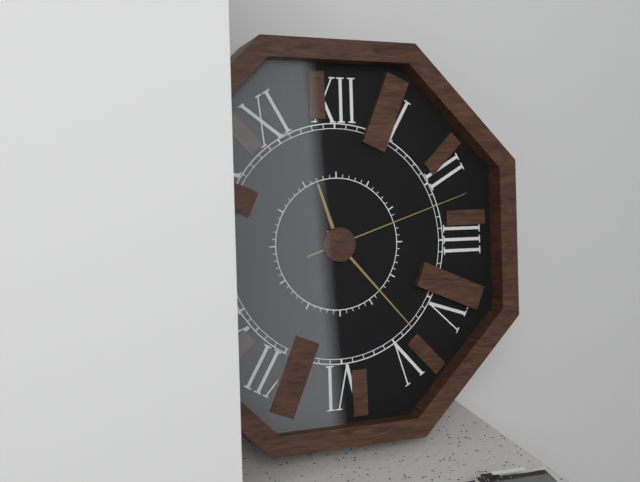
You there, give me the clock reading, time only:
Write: 11:23:12
